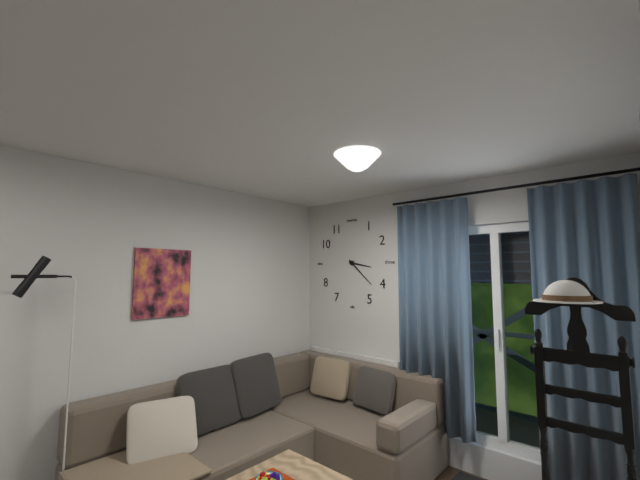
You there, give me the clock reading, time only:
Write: 3:22
